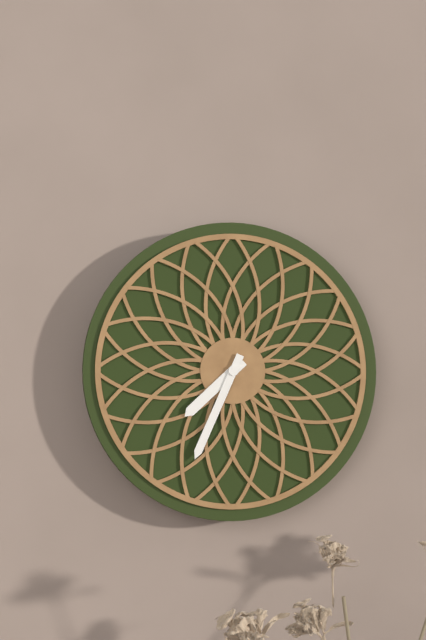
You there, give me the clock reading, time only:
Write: 7:34
